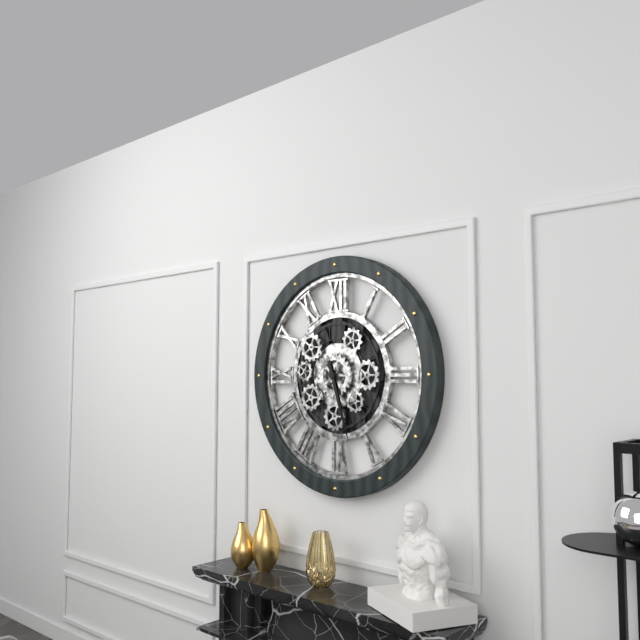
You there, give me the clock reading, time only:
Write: 5:27
